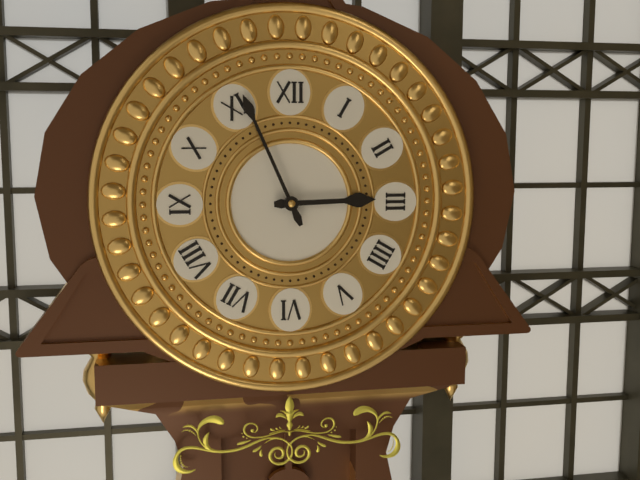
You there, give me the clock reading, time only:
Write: 2:56
